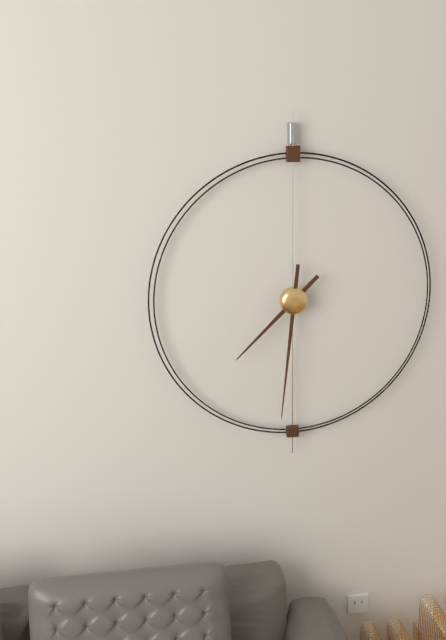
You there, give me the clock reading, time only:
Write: 7:31
